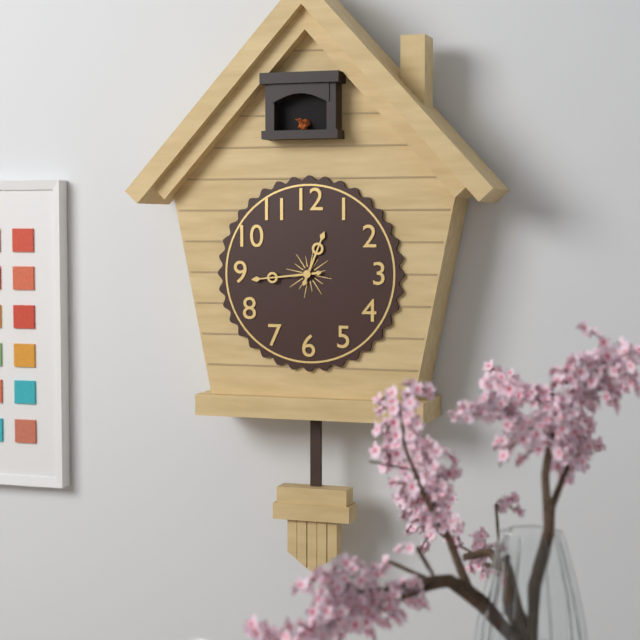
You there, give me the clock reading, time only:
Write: 12:44
